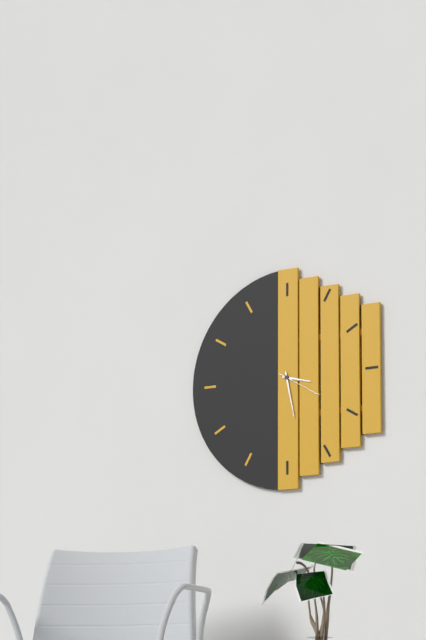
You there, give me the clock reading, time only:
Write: 3:28
